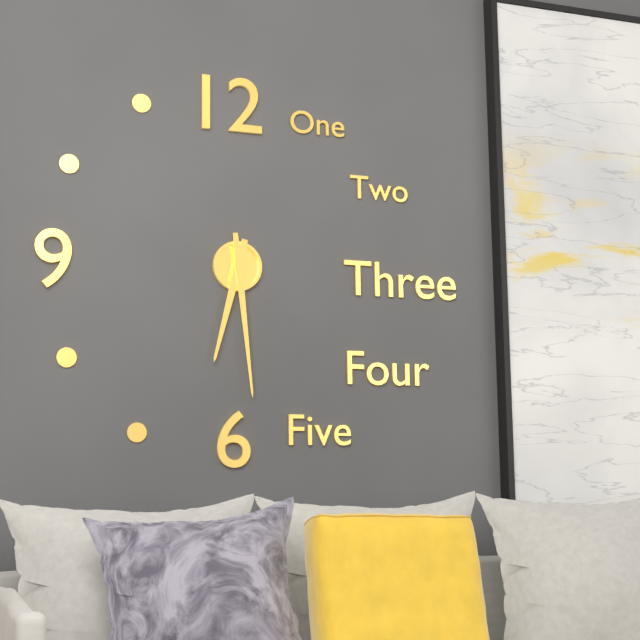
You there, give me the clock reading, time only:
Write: 6:29
